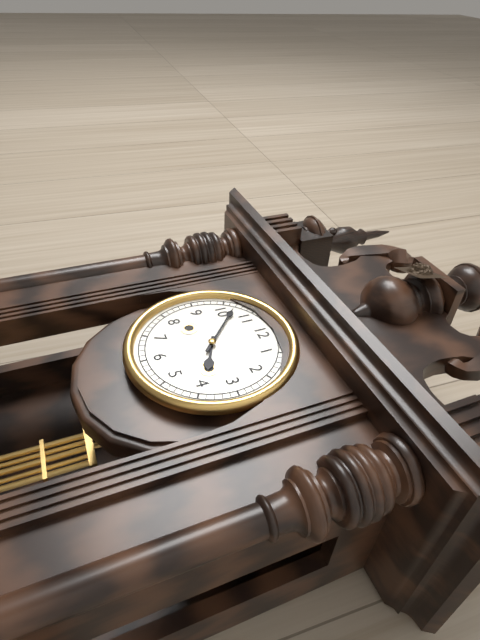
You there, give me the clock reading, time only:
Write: 3:52
